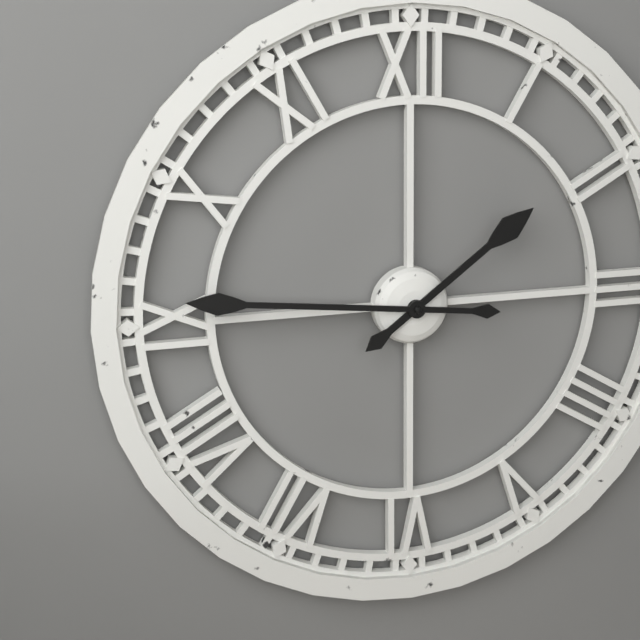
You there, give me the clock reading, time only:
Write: 1:46
